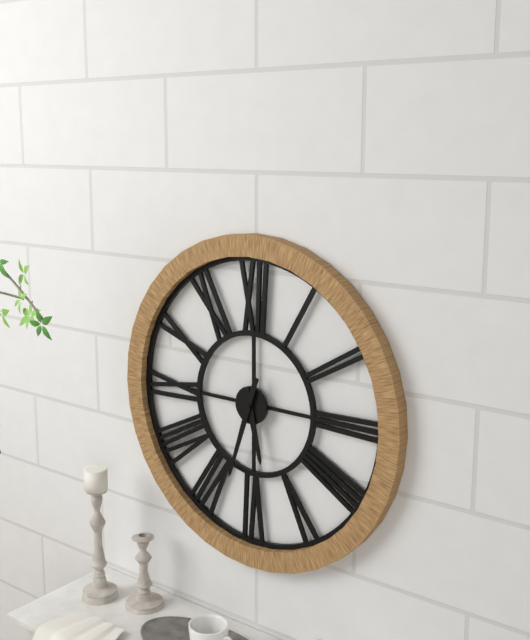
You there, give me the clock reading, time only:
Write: 5:33
